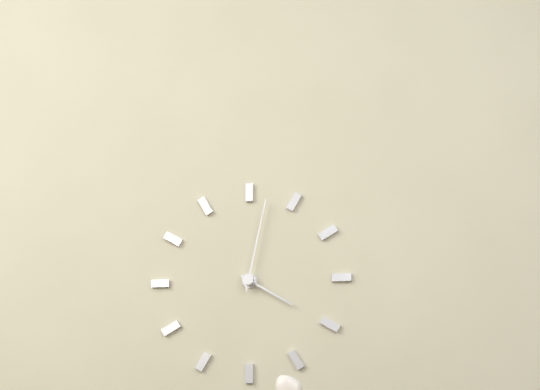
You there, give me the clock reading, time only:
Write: 4:02
